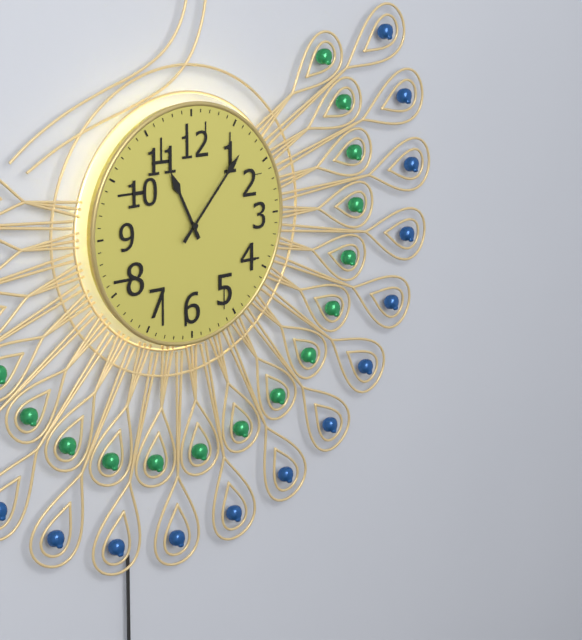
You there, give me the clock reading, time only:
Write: 11:07
